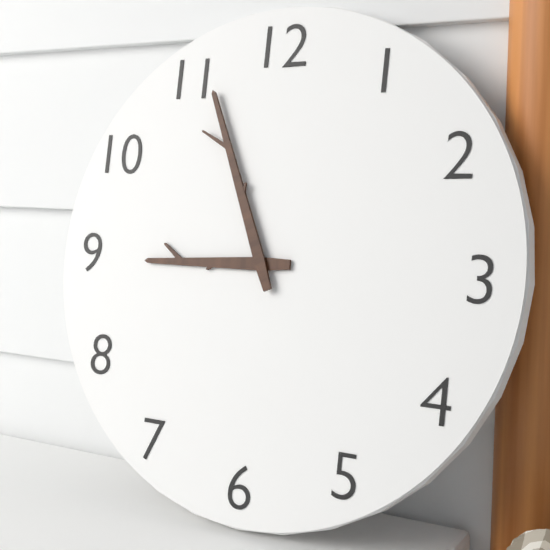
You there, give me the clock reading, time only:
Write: 8:56
